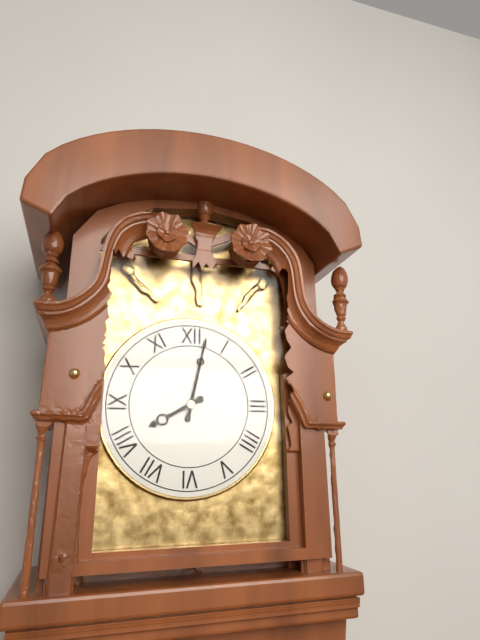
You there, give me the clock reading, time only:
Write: 8:02
